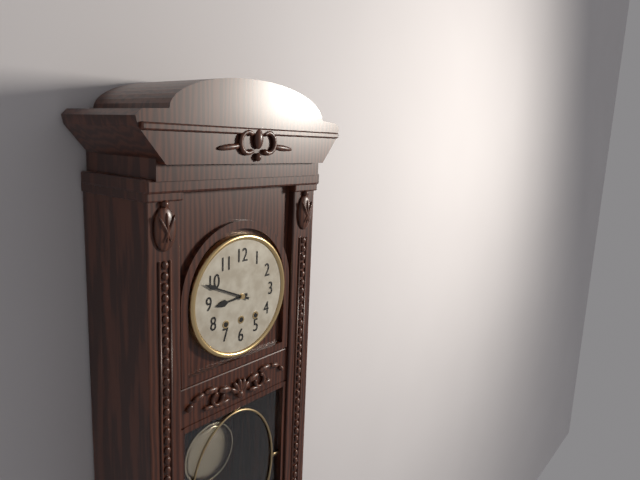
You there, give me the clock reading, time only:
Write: 8:49
